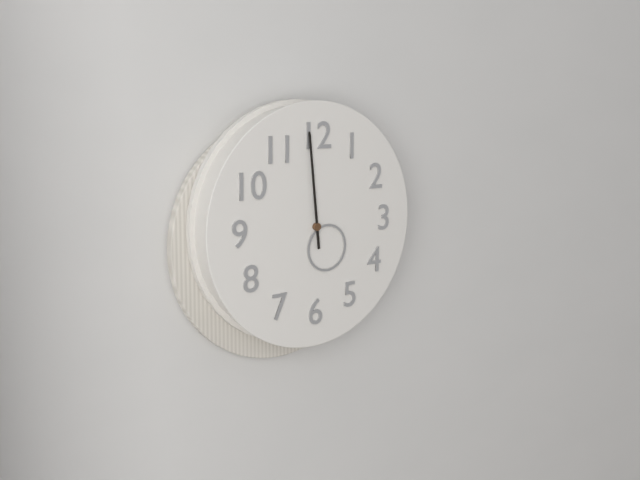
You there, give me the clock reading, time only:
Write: 4:59
